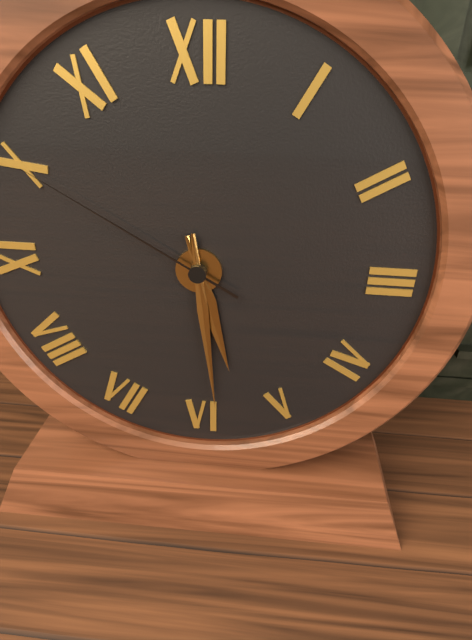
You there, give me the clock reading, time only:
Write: 5:29:50
